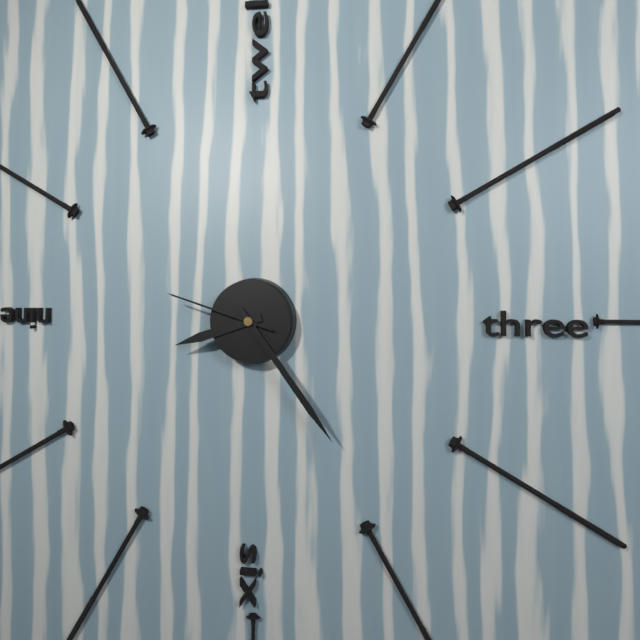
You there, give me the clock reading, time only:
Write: 8:24:48
